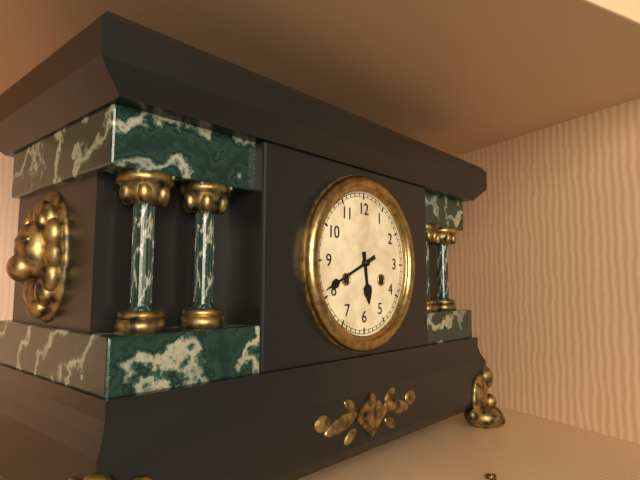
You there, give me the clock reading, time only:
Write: 5:41
